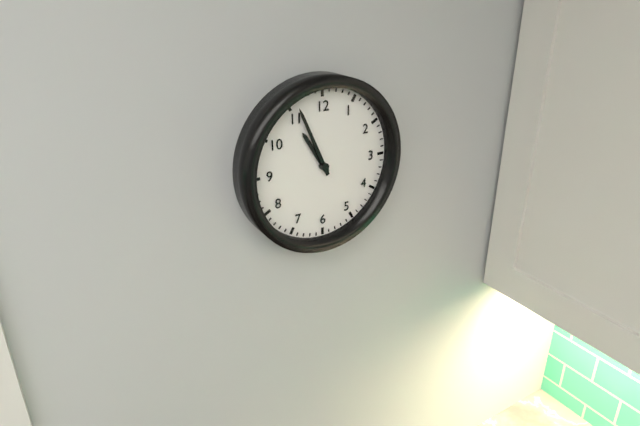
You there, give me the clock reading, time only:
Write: 10:56
